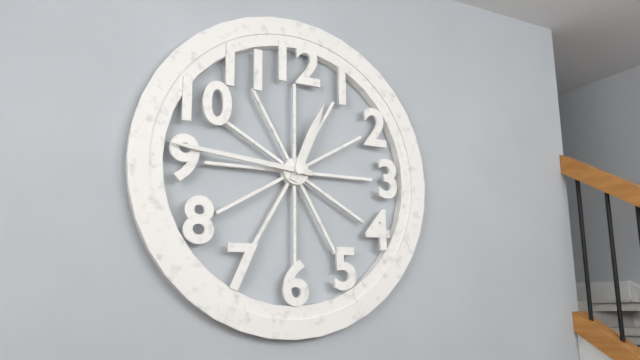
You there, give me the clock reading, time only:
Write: 12:46
